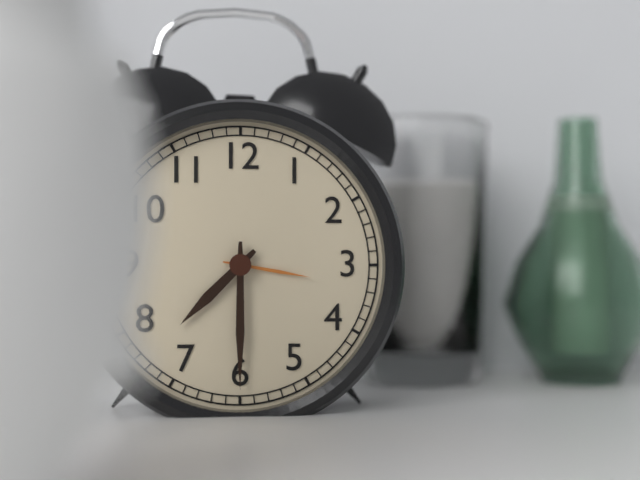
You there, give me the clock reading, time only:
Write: 7:30
